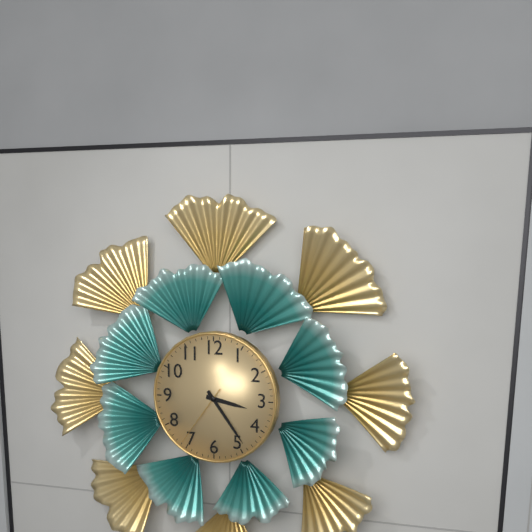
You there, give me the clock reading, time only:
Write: 3:24:36
